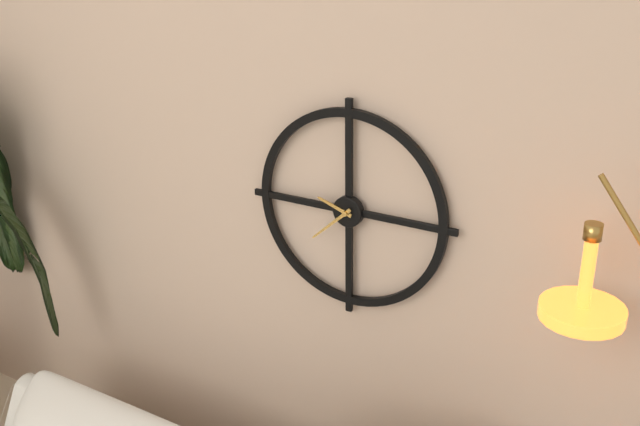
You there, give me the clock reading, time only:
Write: 9:38
